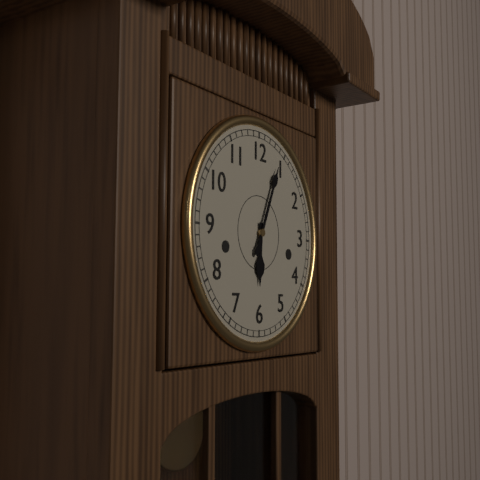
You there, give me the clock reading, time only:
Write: 6:04
